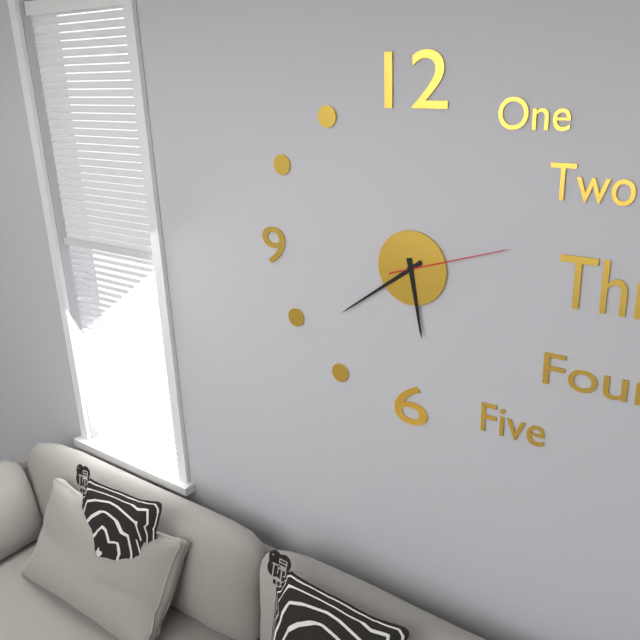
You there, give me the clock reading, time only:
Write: 5:39:12
